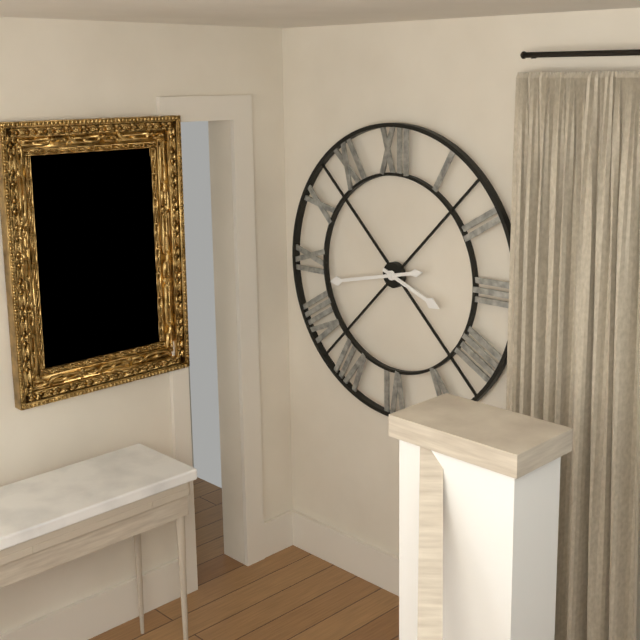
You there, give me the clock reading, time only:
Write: 3:43
